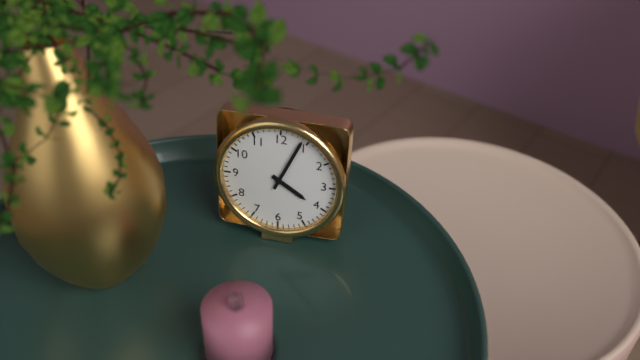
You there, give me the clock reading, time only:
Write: 4:04
